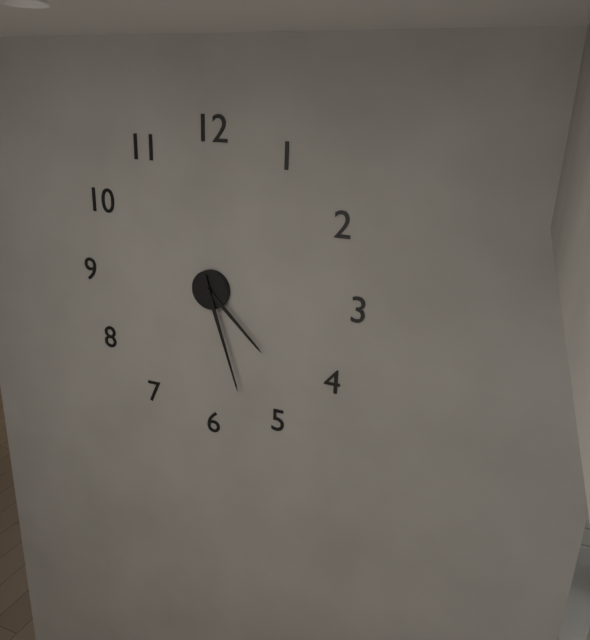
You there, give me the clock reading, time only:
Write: 4:27
